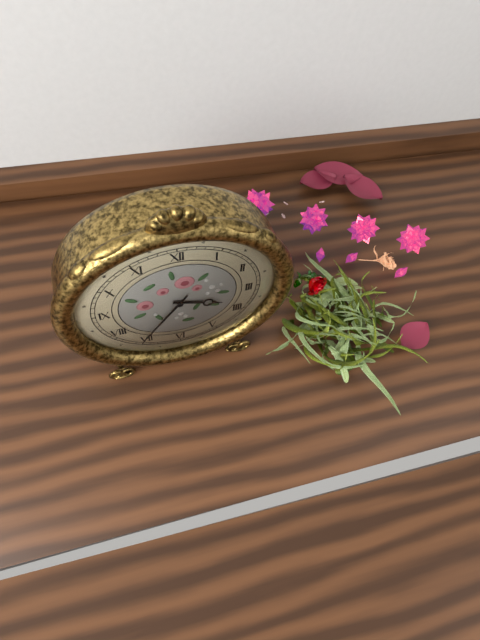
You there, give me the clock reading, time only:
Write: 3:36
